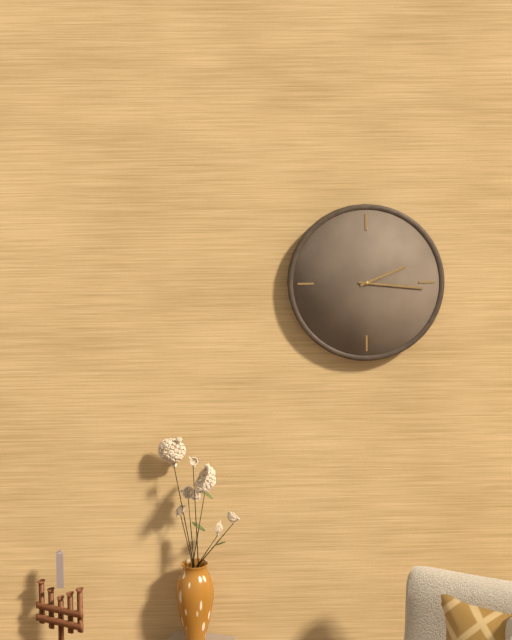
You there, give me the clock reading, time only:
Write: 2:16
